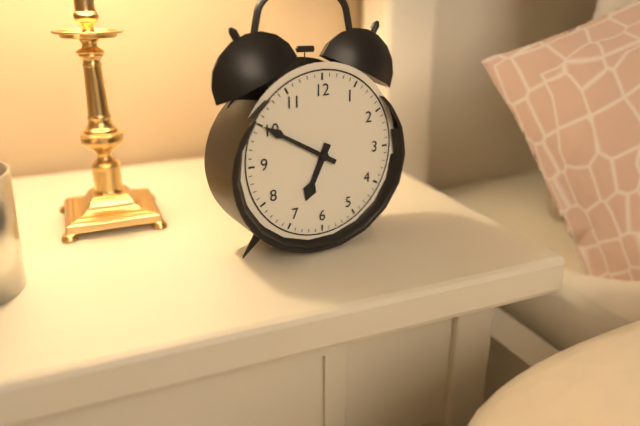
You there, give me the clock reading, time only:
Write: 6:50
